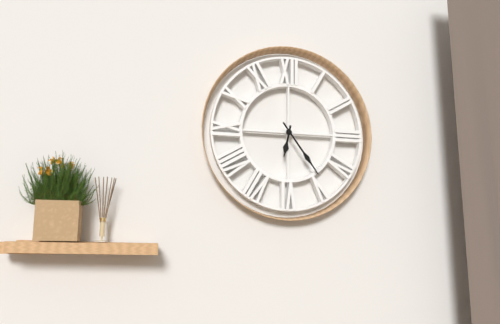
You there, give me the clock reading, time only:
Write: 6:24
